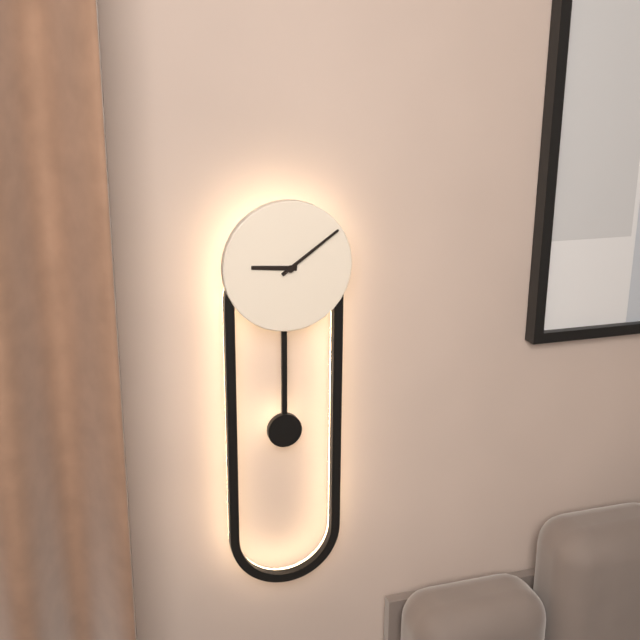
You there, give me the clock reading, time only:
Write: 9:09
